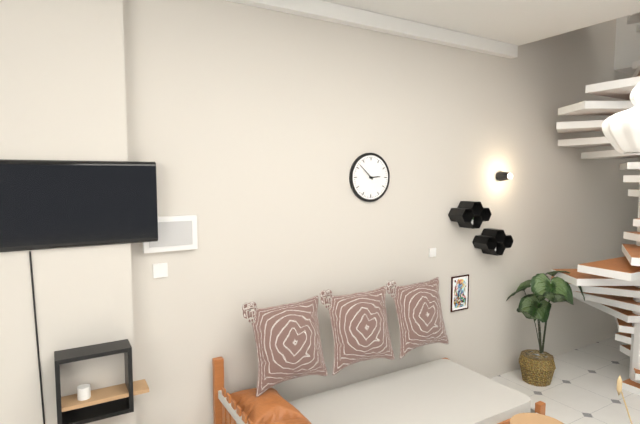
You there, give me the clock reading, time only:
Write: 2:52
